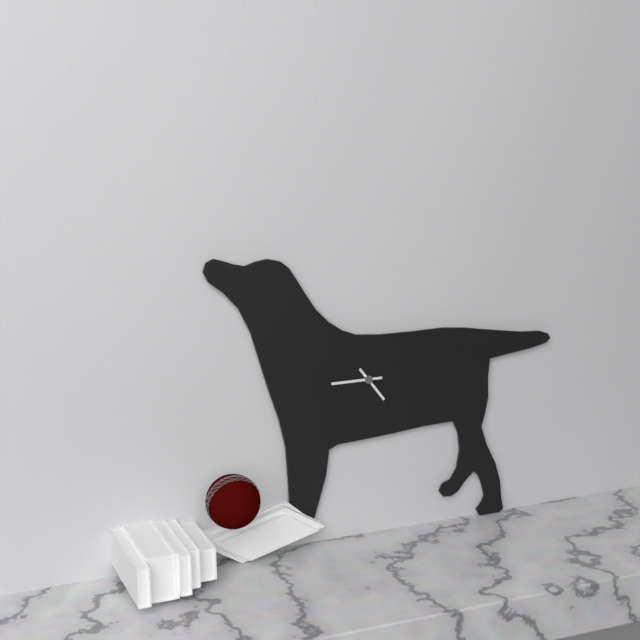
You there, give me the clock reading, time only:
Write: 4:45
